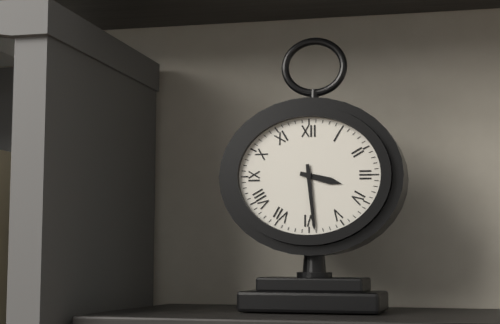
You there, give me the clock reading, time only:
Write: 3:29
